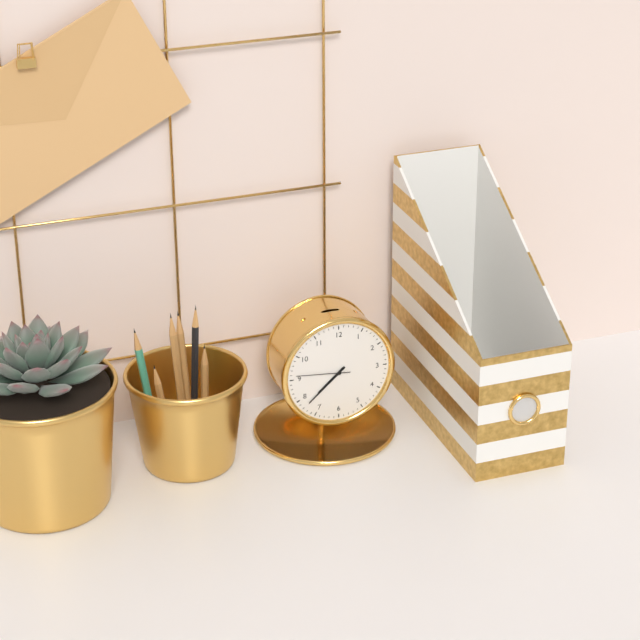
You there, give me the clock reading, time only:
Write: 7:38:46
